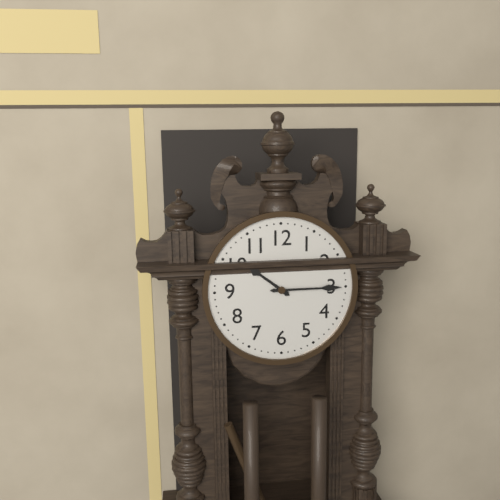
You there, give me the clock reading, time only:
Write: 10:15
